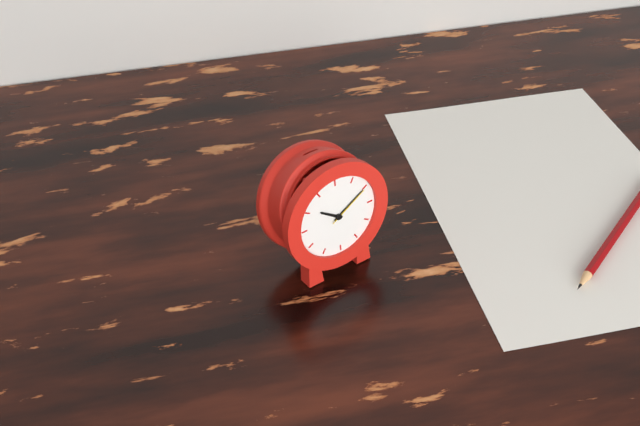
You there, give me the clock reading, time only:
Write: 10:10
